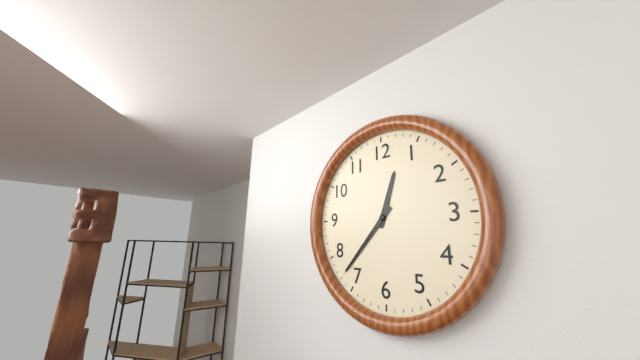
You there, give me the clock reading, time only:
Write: 12:37
